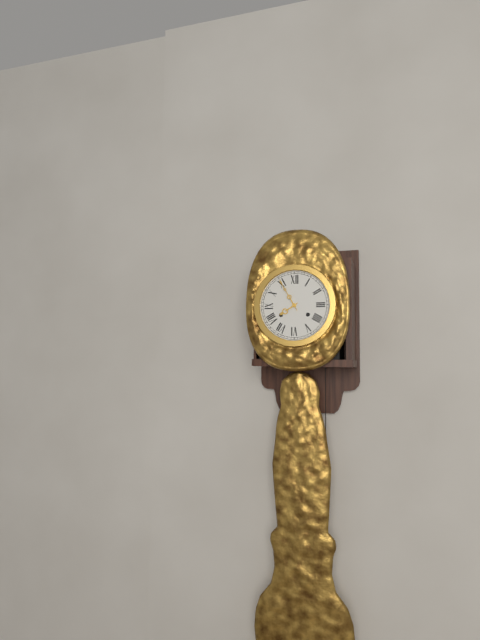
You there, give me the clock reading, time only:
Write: 7:55
